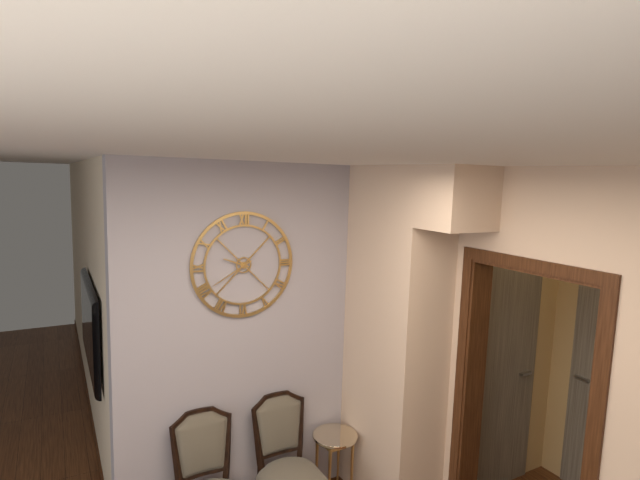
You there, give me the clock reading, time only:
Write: 9:40
